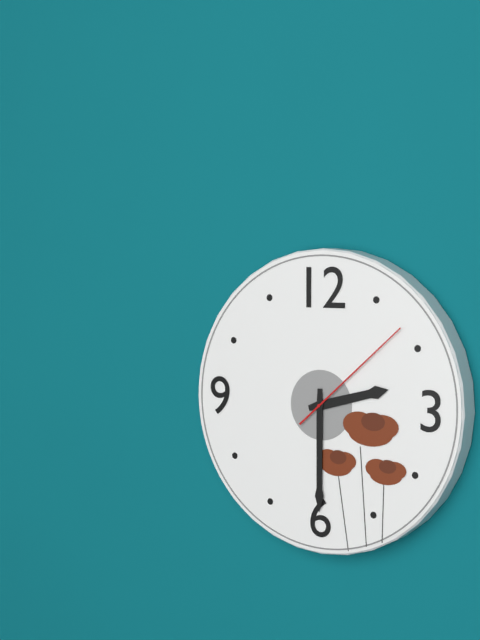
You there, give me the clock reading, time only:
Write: 2:30:08
